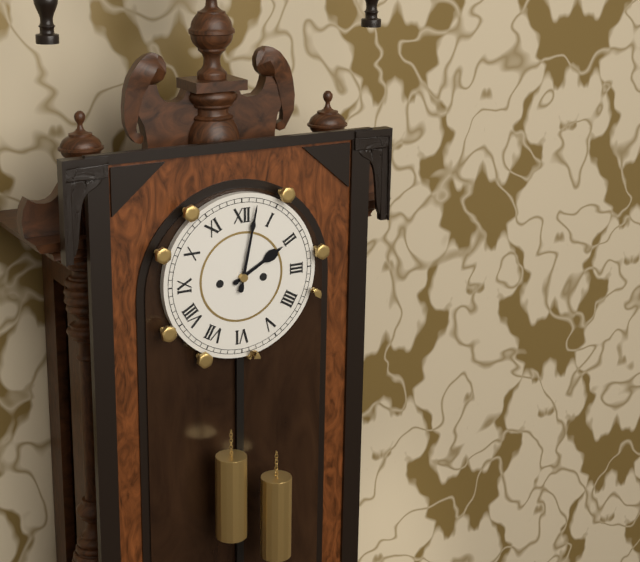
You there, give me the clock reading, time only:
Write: 2:02
